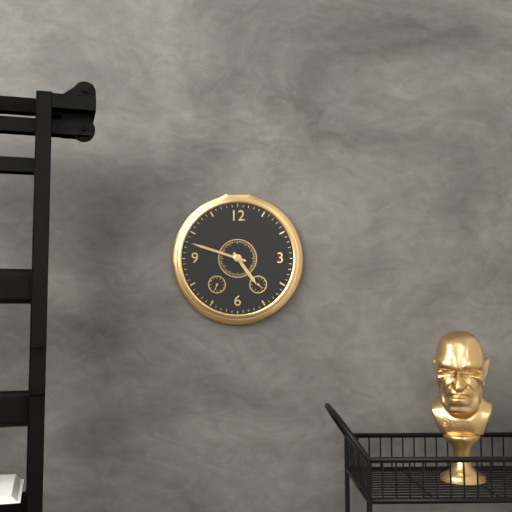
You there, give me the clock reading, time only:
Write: 4:48
